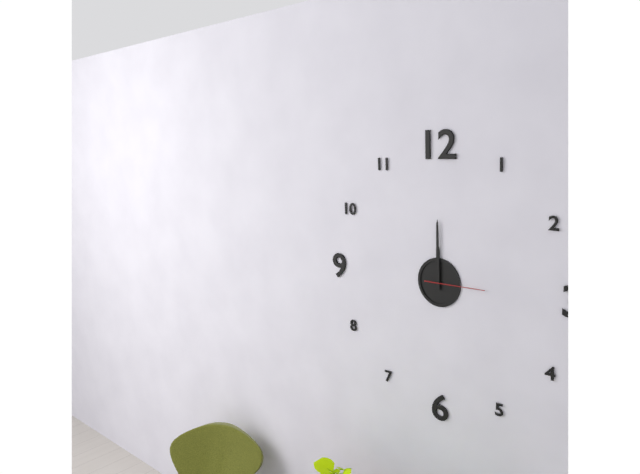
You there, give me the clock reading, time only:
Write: 12:00:15
